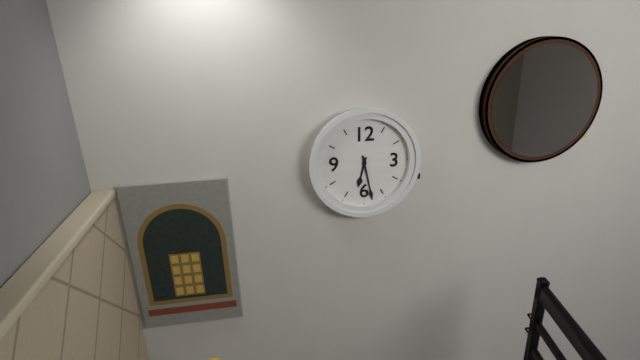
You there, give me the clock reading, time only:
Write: 6:28
